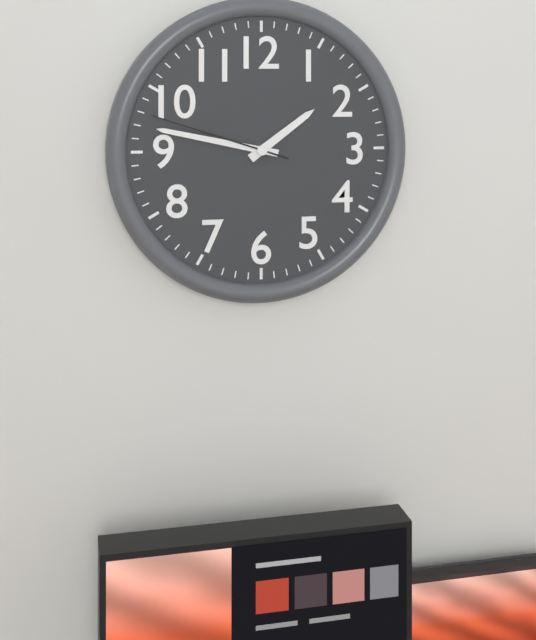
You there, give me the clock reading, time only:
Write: 1:47:48
